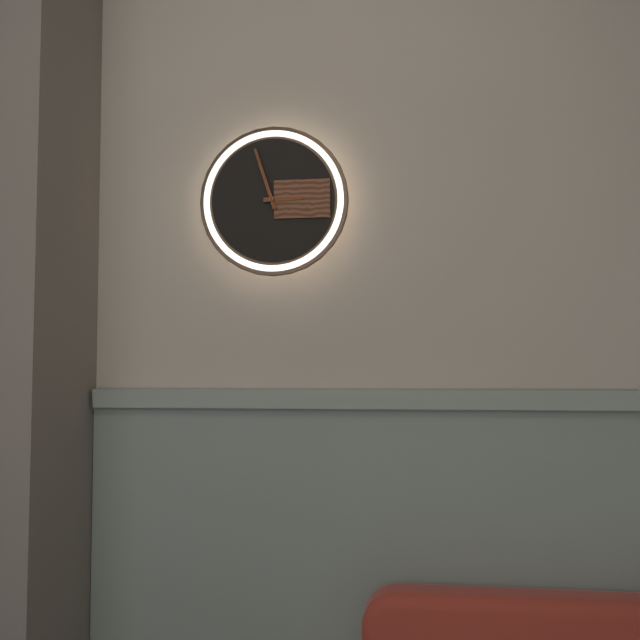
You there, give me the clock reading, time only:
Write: 2:57
